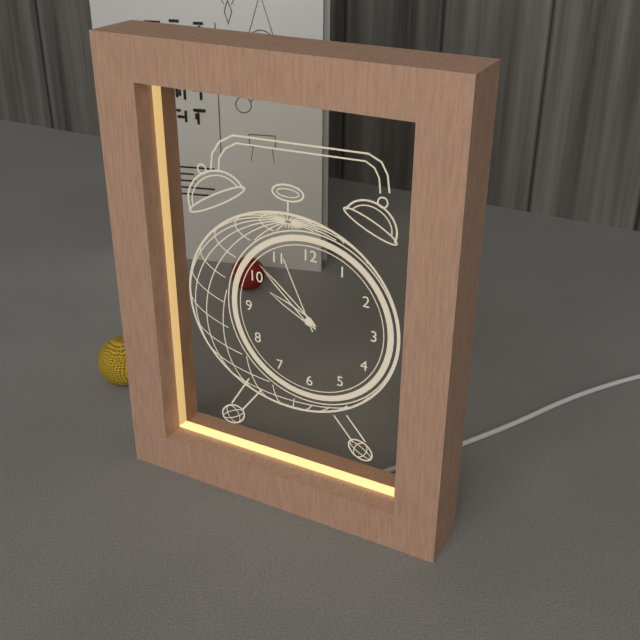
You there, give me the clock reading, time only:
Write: 9:52:56
